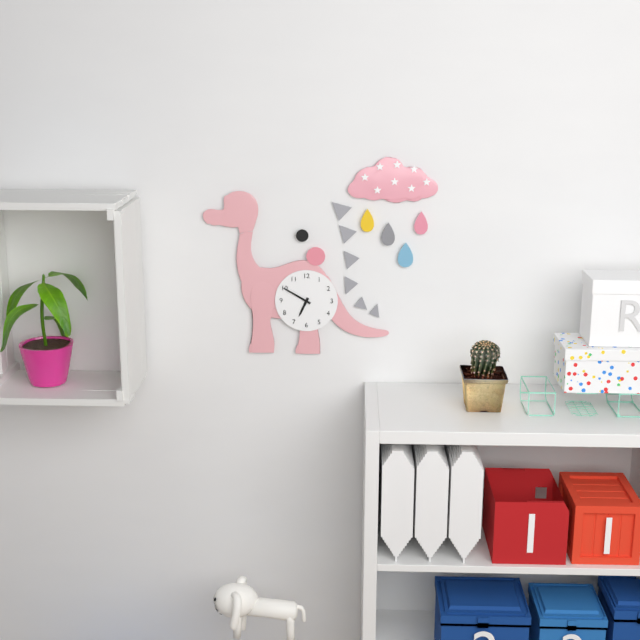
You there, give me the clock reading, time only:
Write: 6:50
